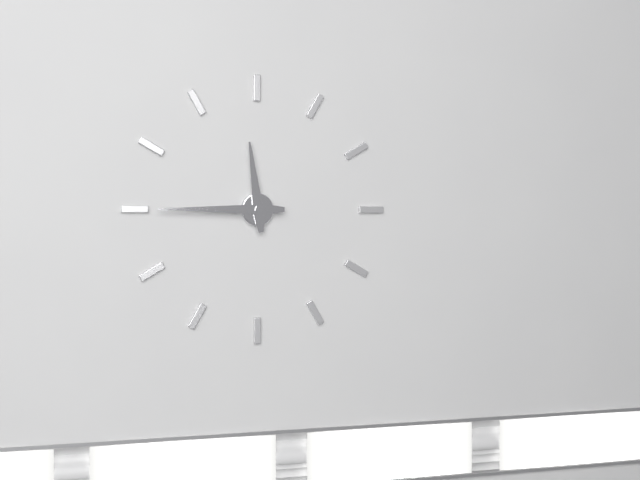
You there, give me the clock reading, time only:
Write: 11:45
